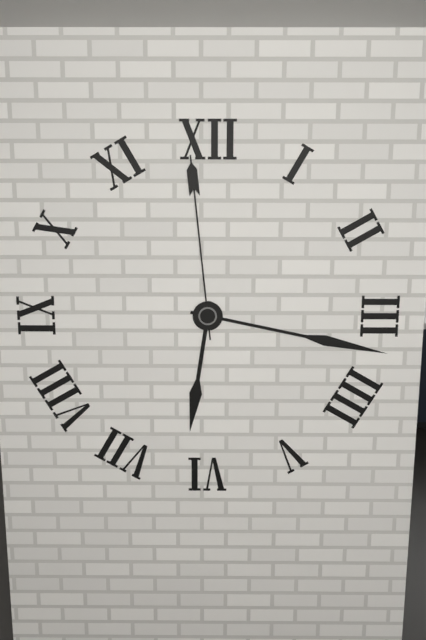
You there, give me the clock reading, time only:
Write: 6:17:59
